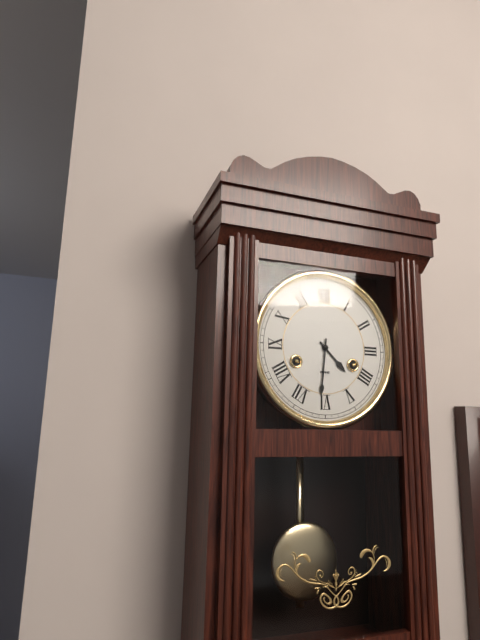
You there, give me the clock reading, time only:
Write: 4:31
